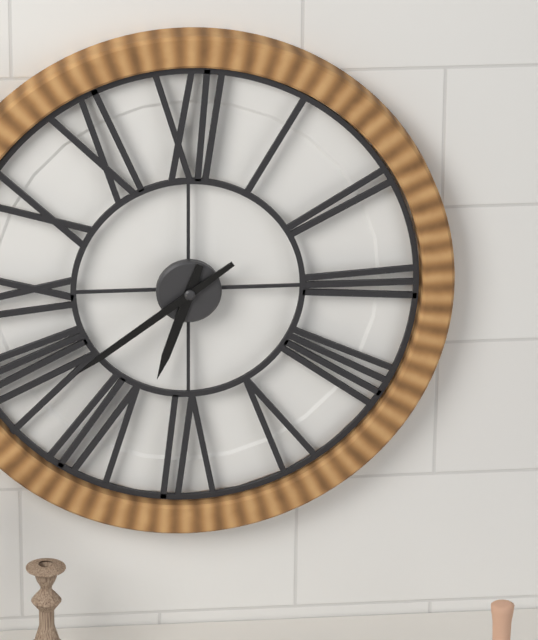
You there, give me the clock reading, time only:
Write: 6:39
